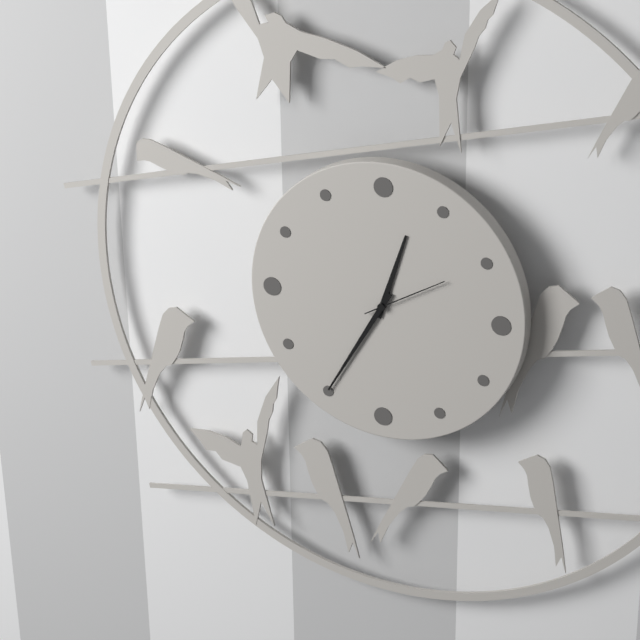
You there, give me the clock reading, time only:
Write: 12:35:10
